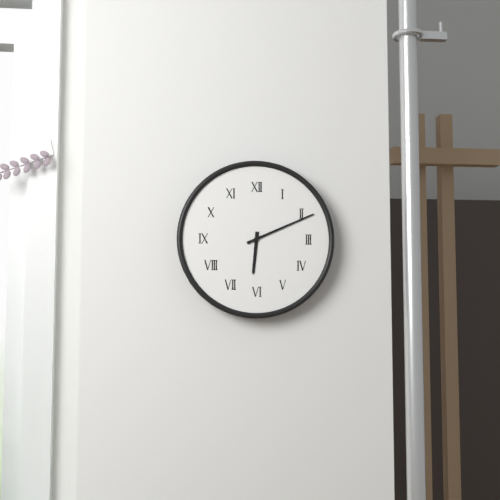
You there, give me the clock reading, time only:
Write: 6:11
